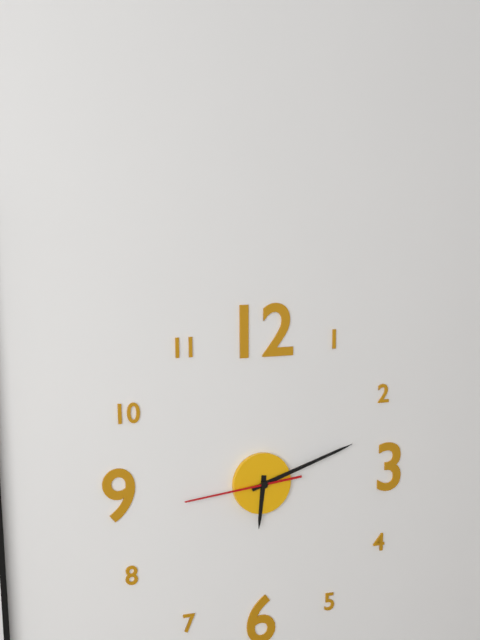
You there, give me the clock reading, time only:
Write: 6:12:44
